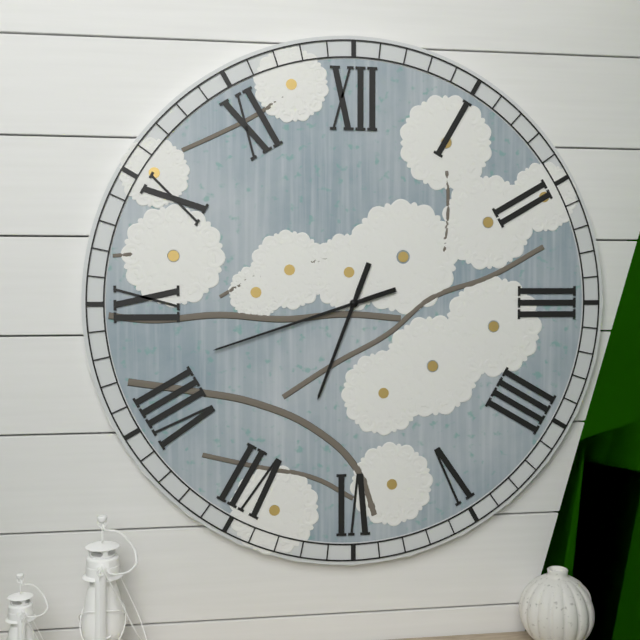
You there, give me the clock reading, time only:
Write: 6:42
